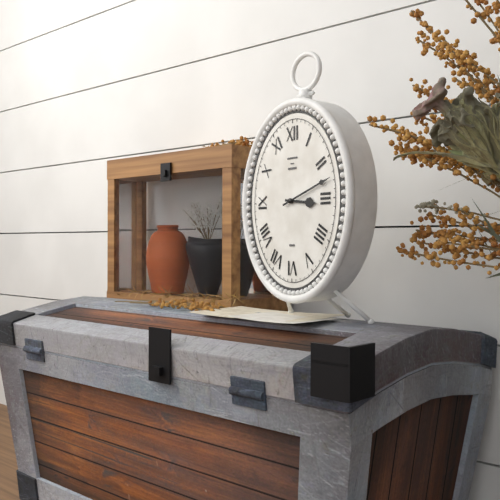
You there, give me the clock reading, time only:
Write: 3:12
